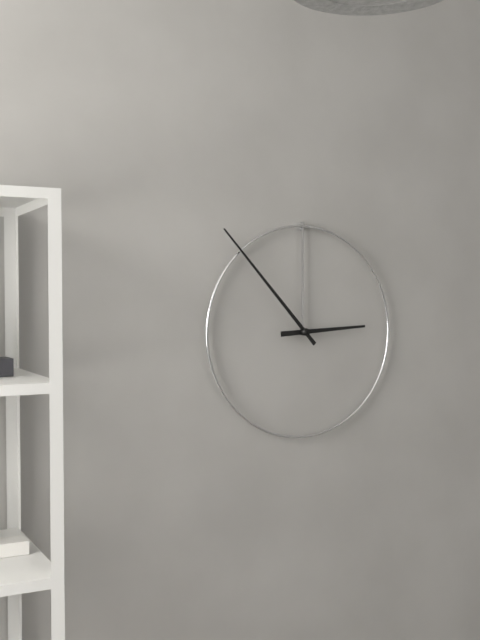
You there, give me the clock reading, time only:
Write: 2:53
